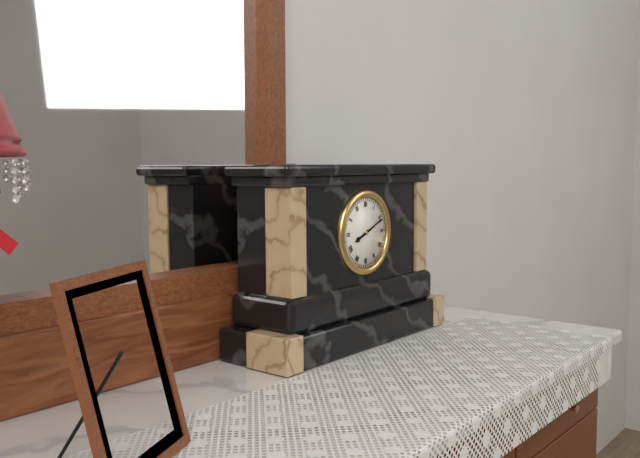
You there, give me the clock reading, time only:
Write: 8:11
